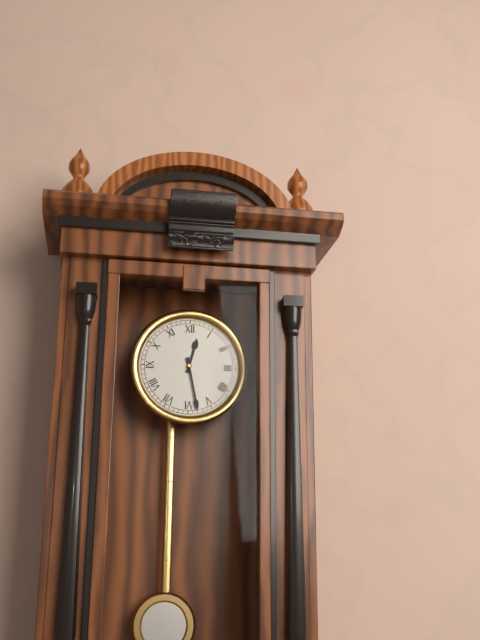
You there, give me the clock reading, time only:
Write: 12:28
